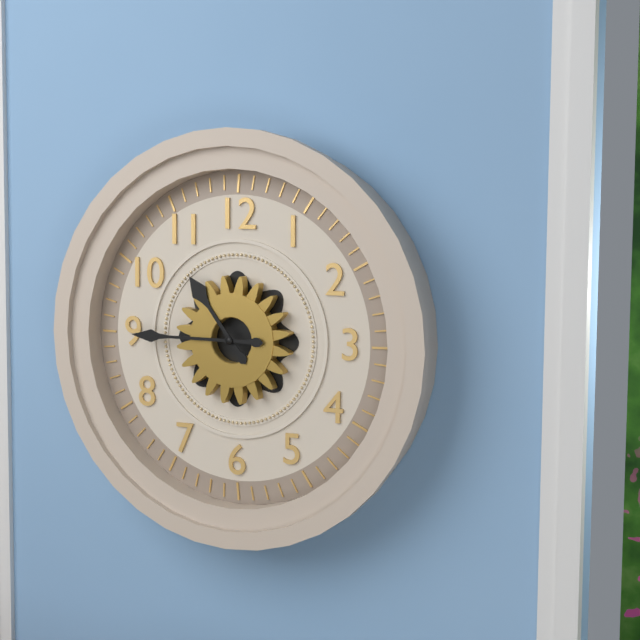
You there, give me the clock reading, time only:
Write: 10:45
